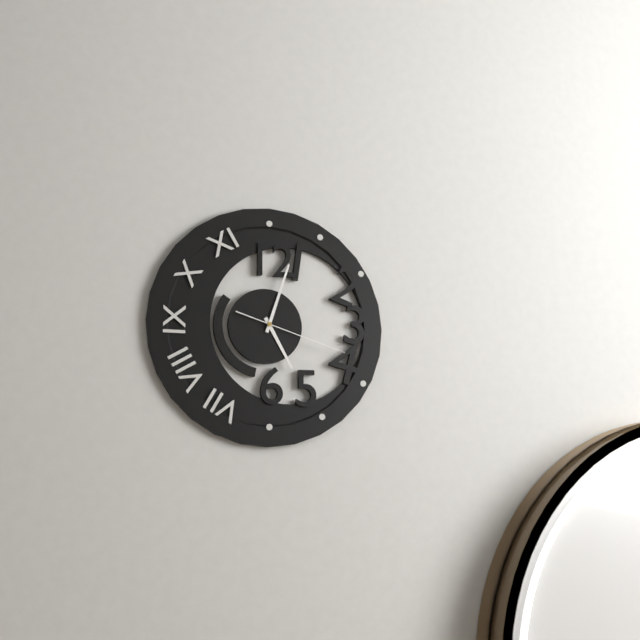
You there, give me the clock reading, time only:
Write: 5:03:18
